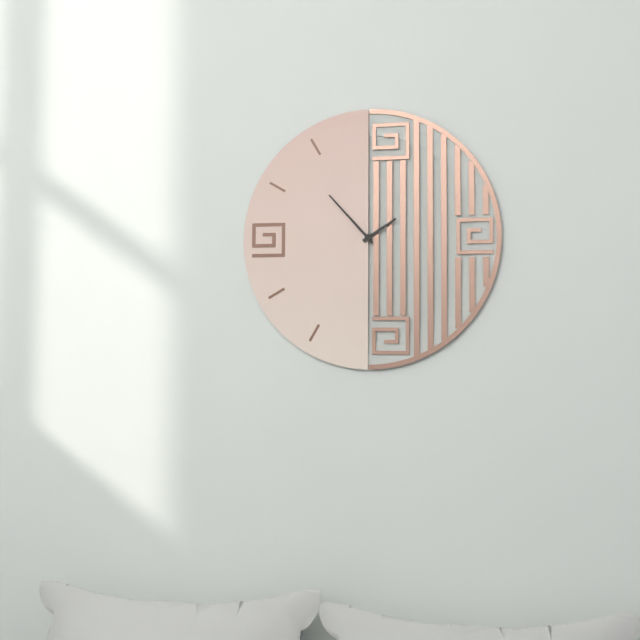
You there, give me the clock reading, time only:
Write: 1:53
